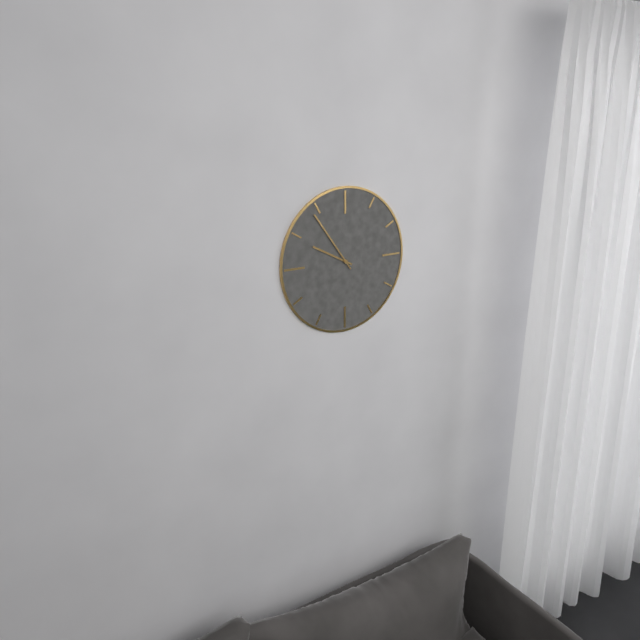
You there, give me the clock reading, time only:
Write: 9:54
